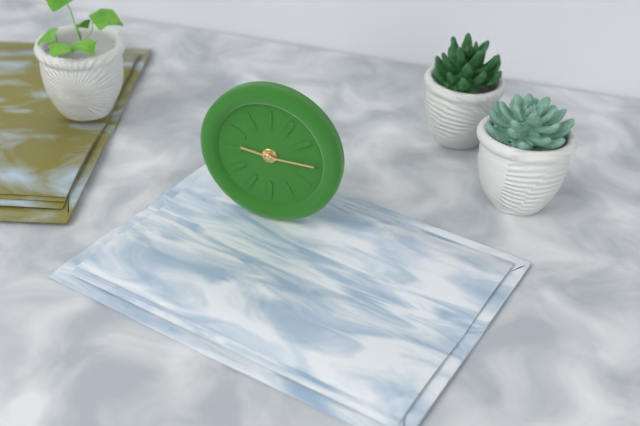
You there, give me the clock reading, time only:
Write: 9:15
